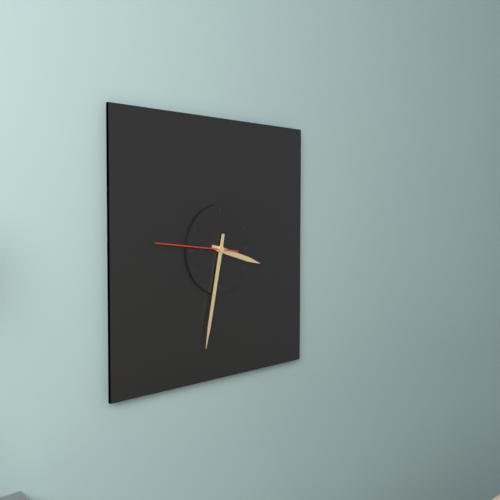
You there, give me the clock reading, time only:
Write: 3:32:46
